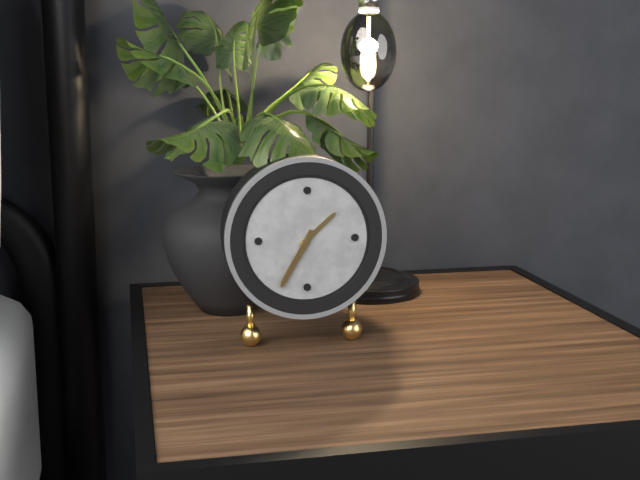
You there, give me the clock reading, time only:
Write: 1:35
